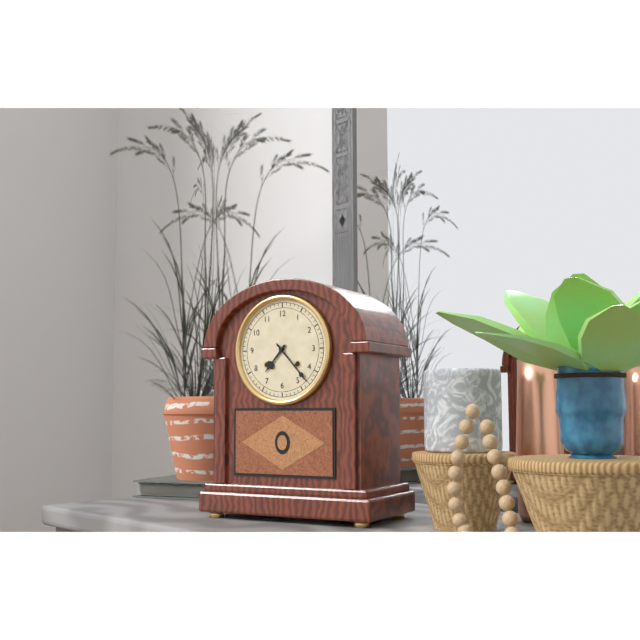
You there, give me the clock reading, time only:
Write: 7:23
